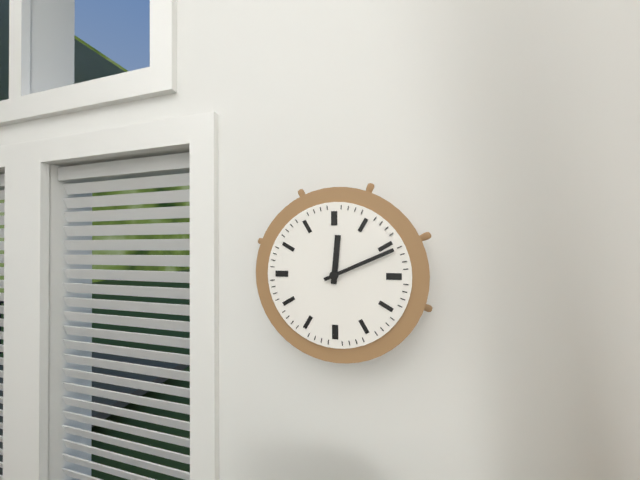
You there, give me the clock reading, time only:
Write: 12:11
